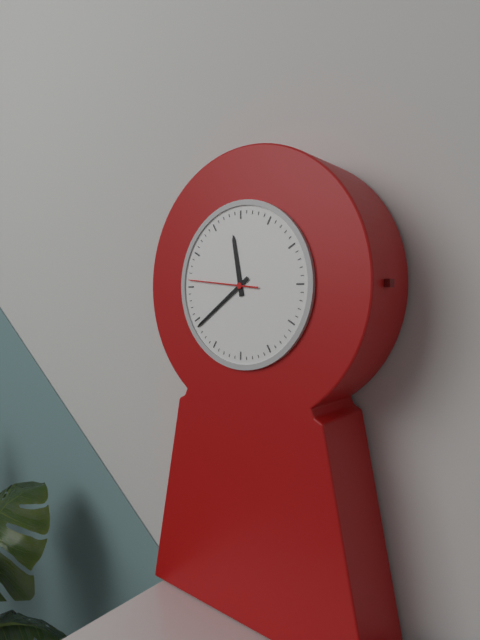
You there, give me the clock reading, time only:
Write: 11:39:46
